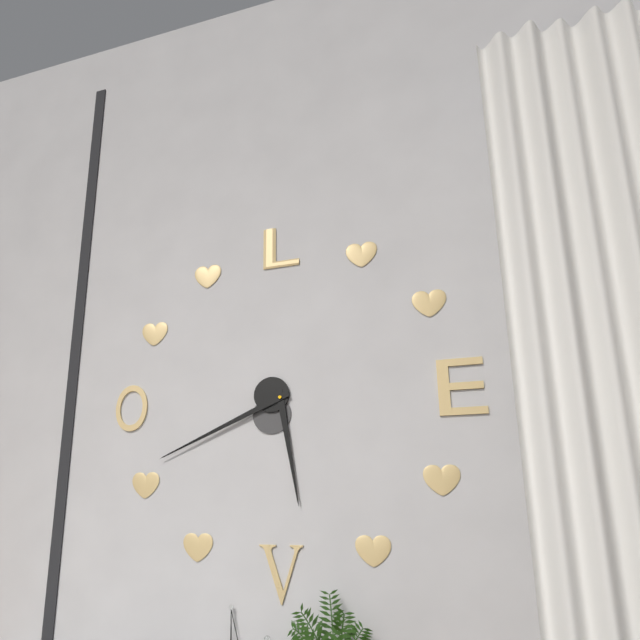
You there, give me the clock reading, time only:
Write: 5:41
